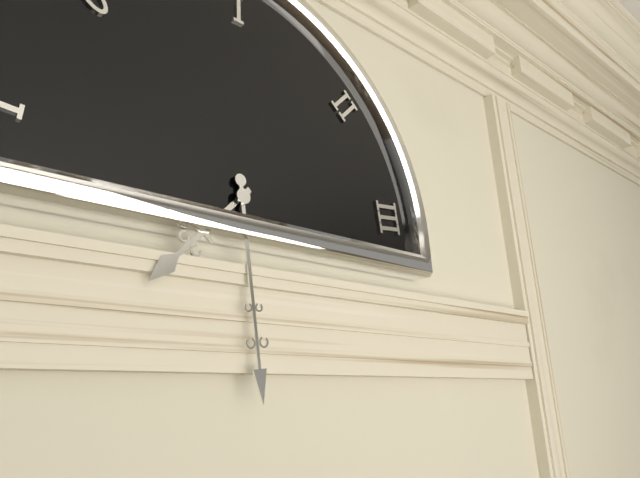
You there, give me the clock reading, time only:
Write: 7:29
